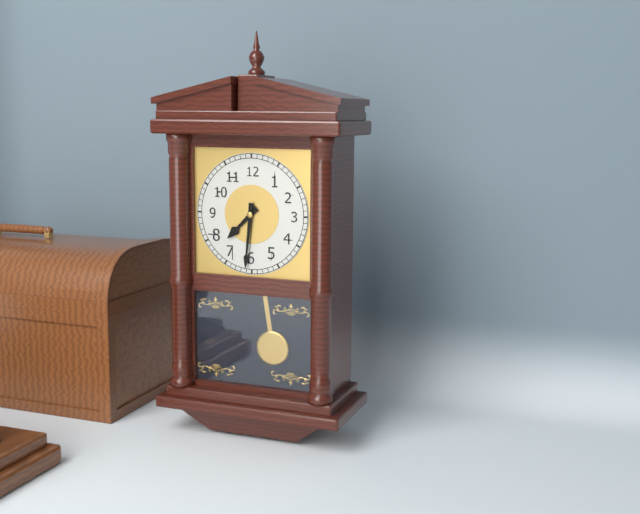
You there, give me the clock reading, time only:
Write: 7:31
